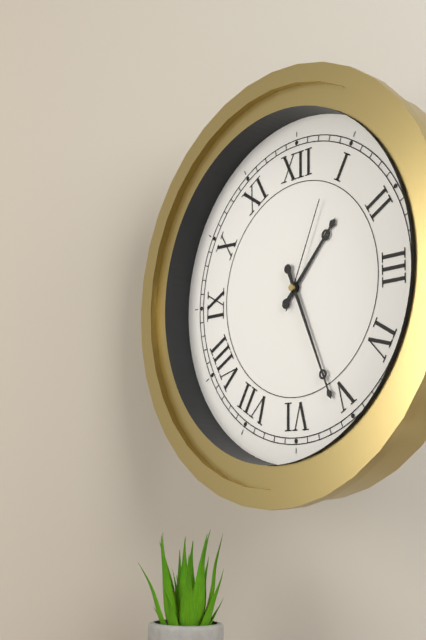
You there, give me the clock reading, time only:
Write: 1:26:04
